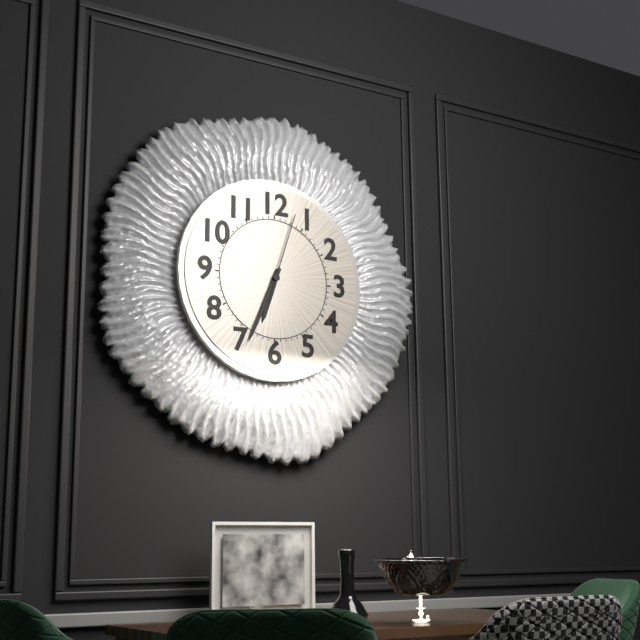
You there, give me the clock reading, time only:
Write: 6:34:03
